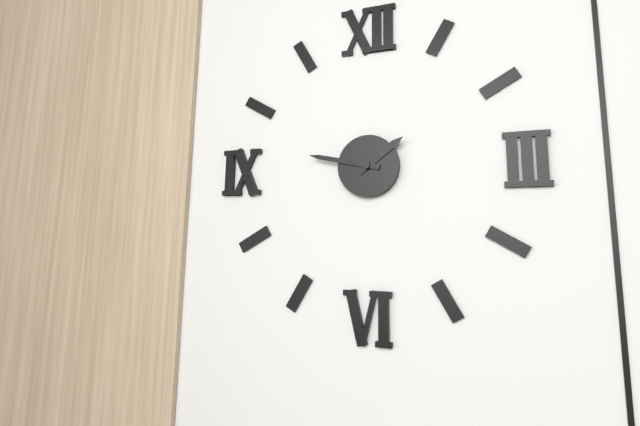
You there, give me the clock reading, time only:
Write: 1:47
